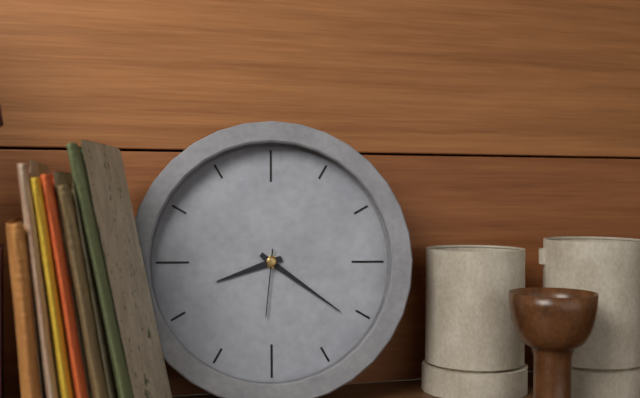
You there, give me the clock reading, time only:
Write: 8:21:31
